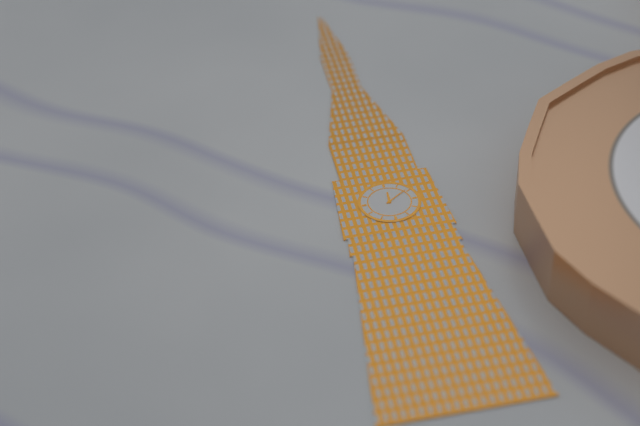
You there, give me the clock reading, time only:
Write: 12:09
